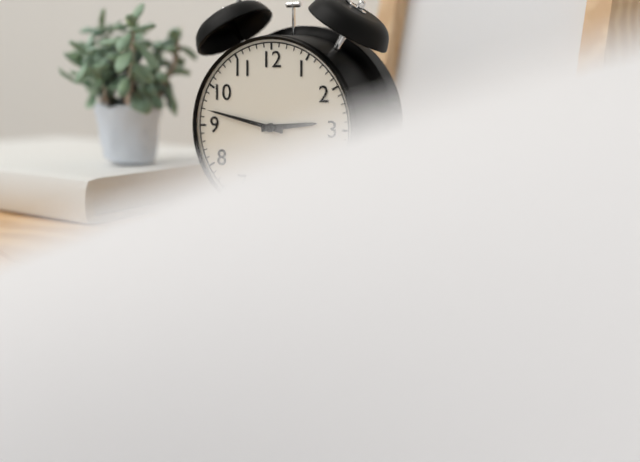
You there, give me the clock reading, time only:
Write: 2:47
